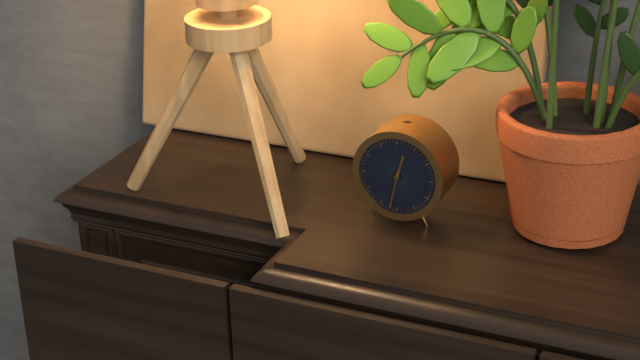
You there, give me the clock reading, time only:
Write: 12:32
